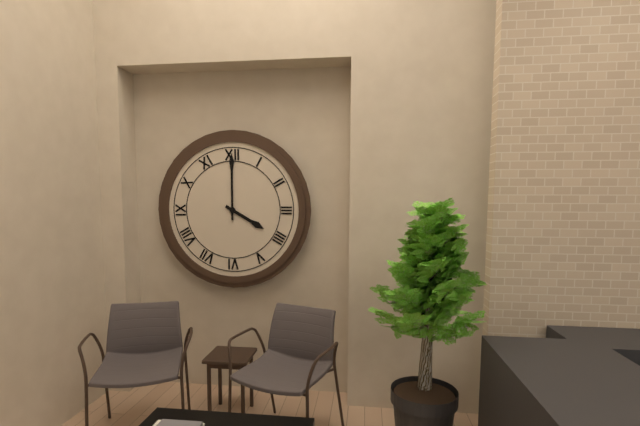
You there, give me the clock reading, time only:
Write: 4:00
